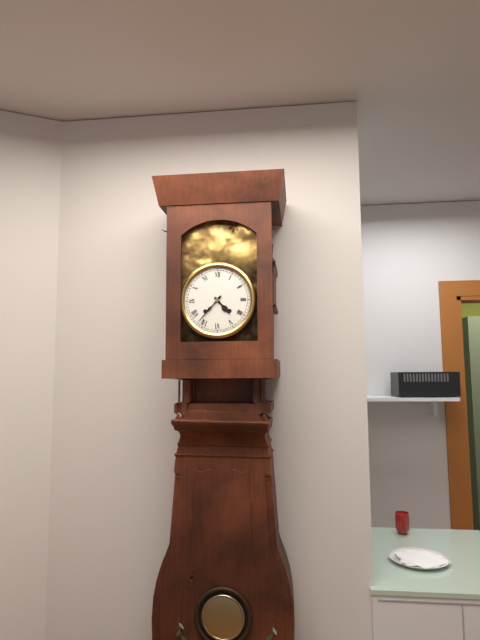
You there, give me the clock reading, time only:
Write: 4:37
